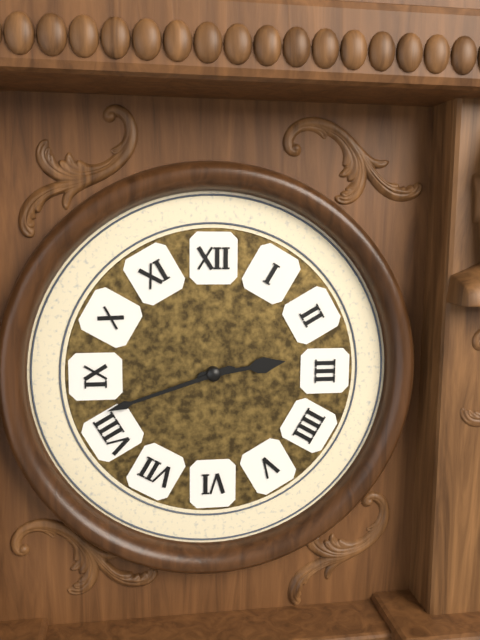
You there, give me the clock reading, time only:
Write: 2:42
